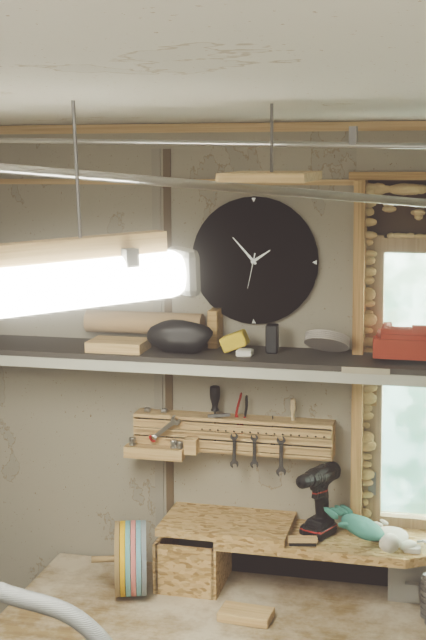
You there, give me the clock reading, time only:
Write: 1:53
